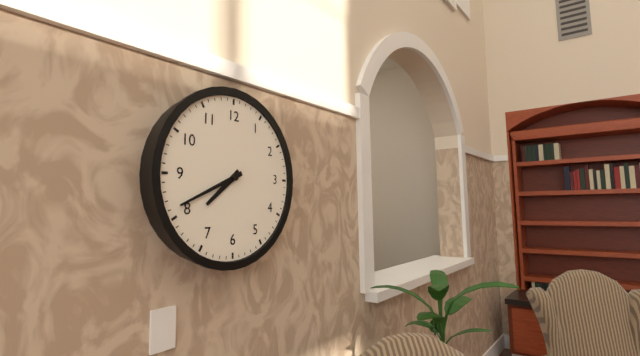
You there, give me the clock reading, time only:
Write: 7:41
